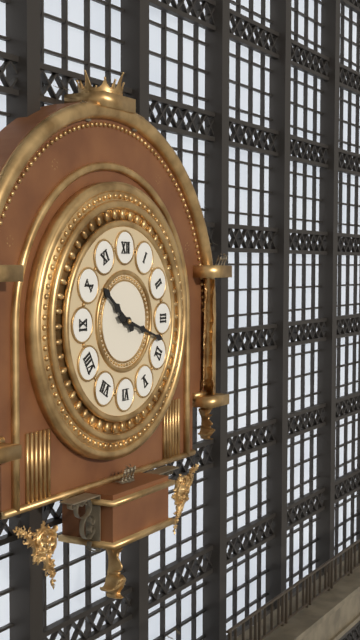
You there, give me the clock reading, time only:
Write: 10:18
